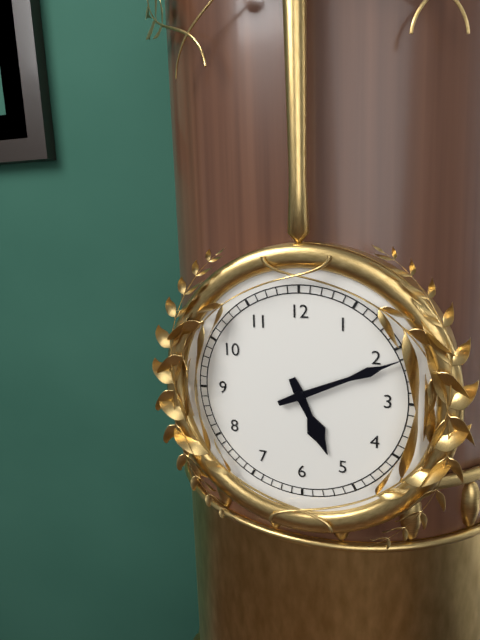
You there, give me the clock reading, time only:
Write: 5:11
